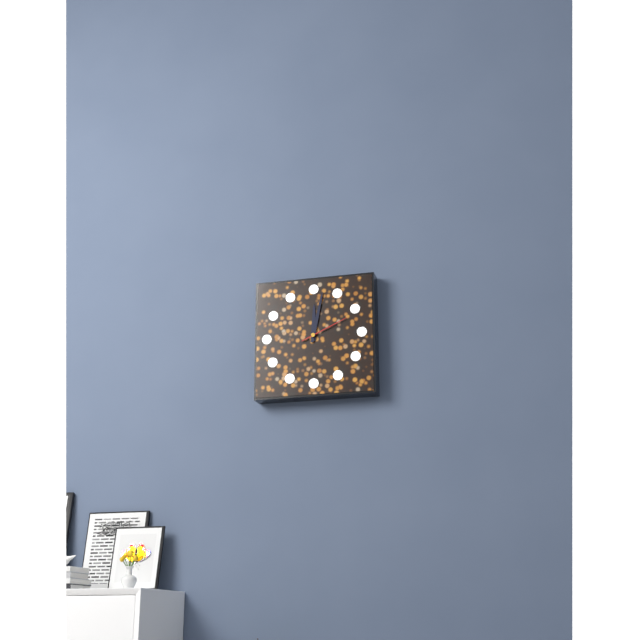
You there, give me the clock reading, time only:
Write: 12:02
